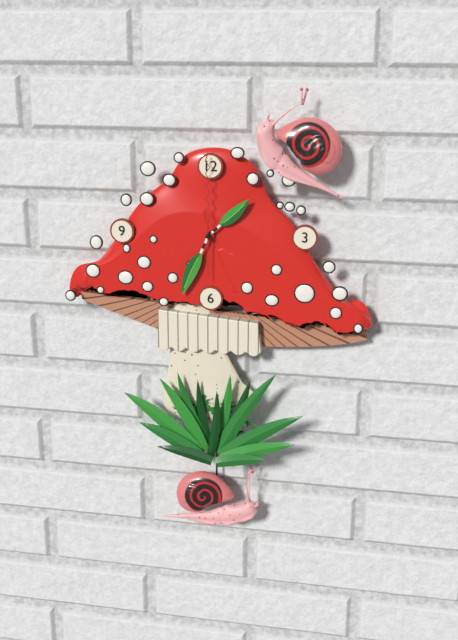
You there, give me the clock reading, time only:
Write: 1:34:00
